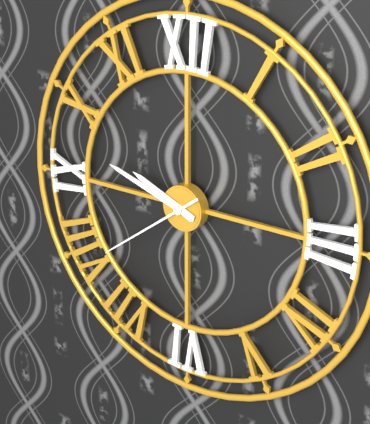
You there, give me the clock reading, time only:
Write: 9:48:39
